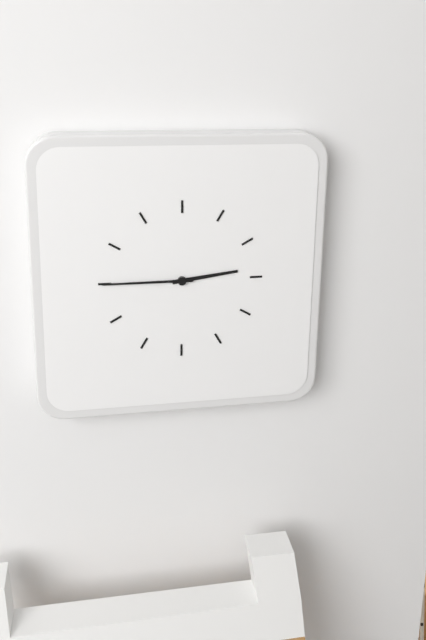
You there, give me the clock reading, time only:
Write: 2:45
